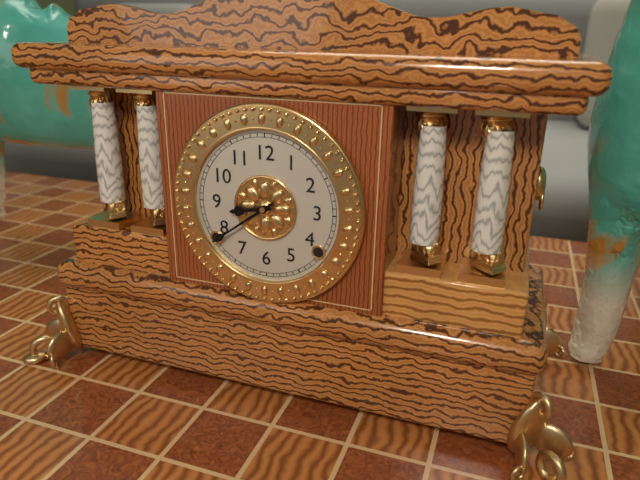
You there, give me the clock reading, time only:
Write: 8:39
